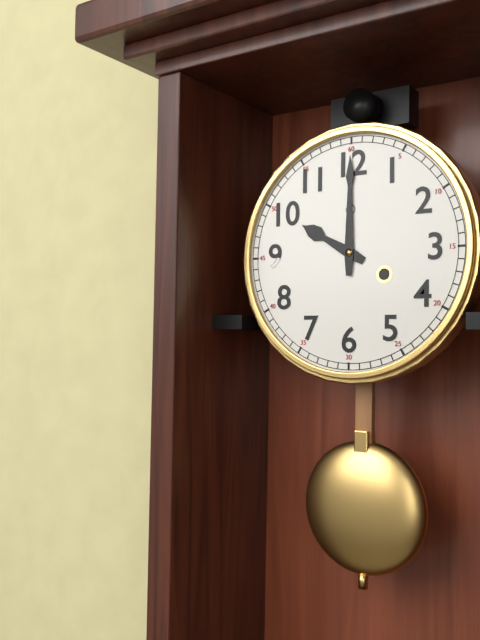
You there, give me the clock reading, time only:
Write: 10:00
